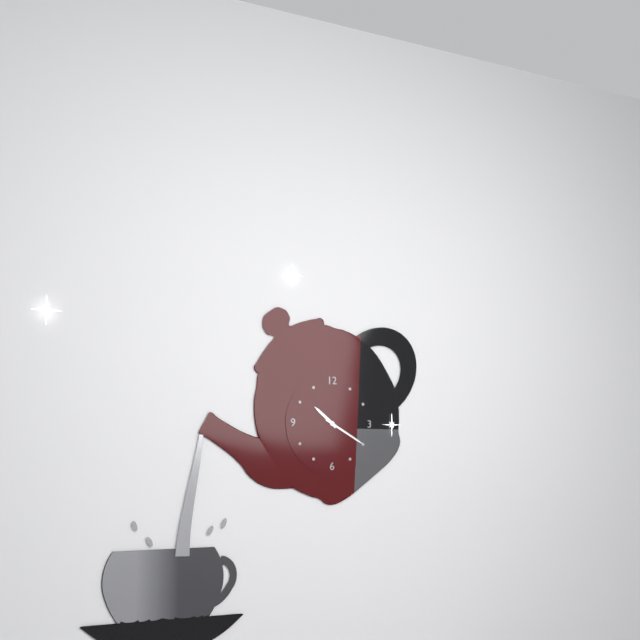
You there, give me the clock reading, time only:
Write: 10:20
